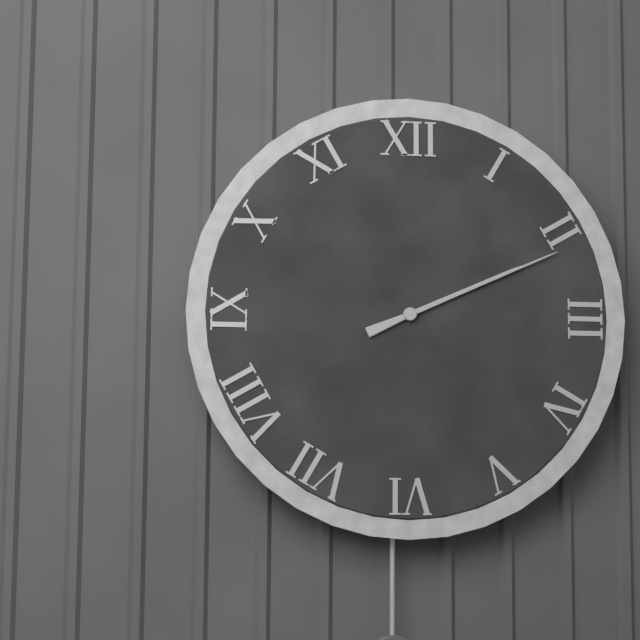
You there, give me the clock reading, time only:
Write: 2:11
